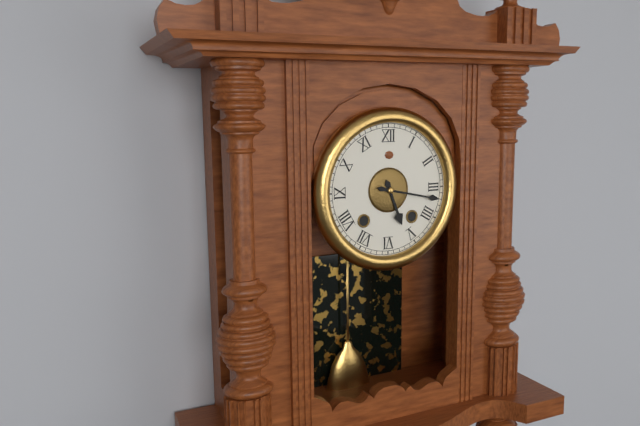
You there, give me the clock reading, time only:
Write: 5:17
